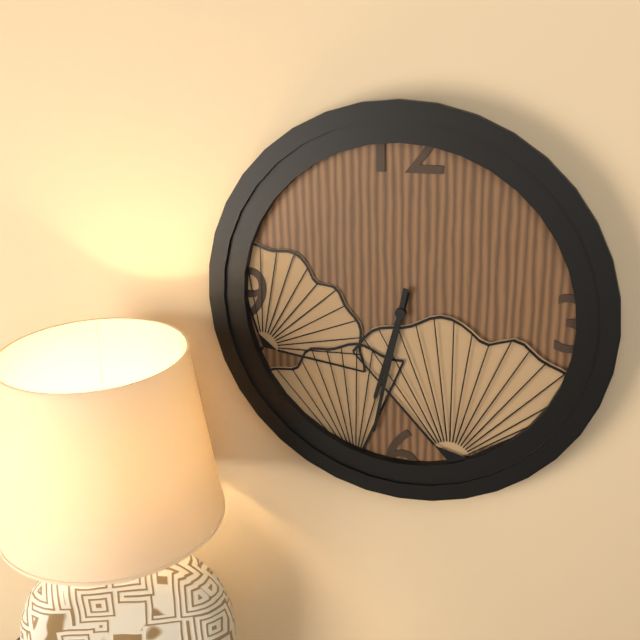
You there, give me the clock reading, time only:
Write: 6:32
